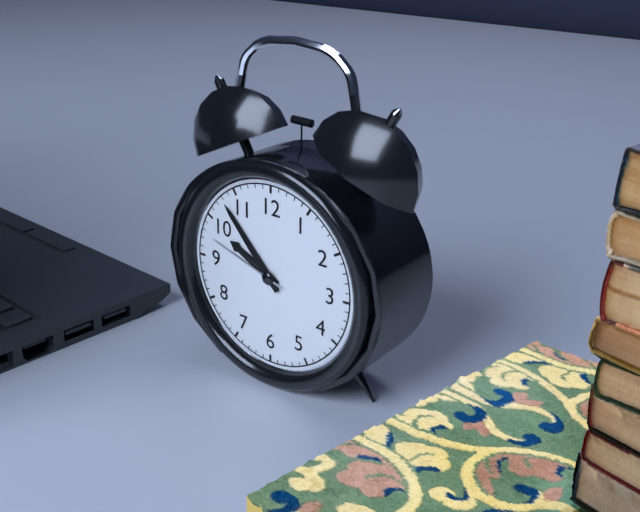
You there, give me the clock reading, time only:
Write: 9:53:48
